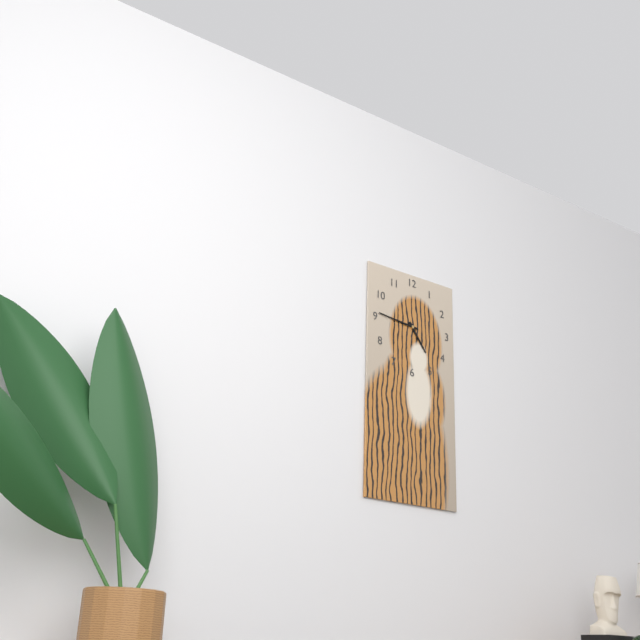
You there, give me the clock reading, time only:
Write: 4:46
